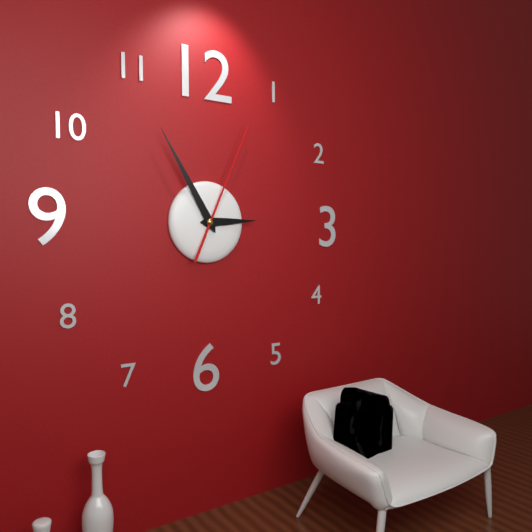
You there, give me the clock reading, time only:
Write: 2:55:04
